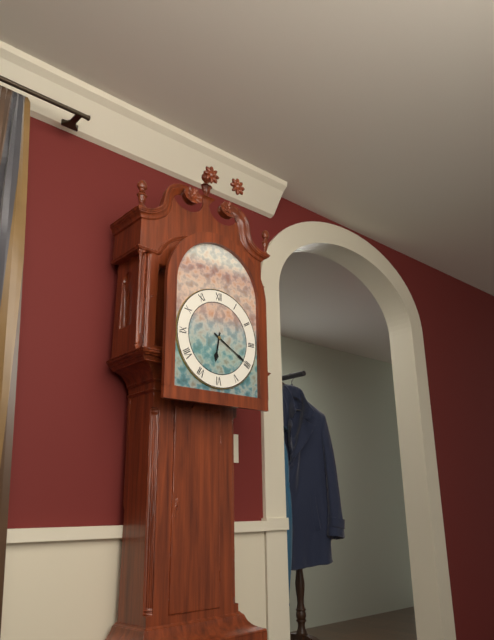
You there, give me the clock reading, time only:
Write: 6:20
